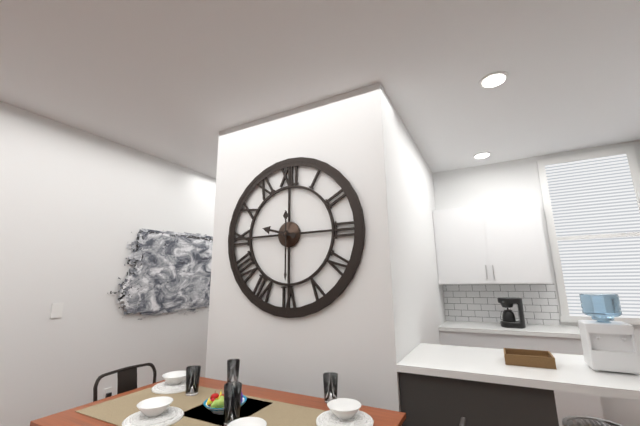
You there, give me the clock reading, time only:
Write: 9:30
